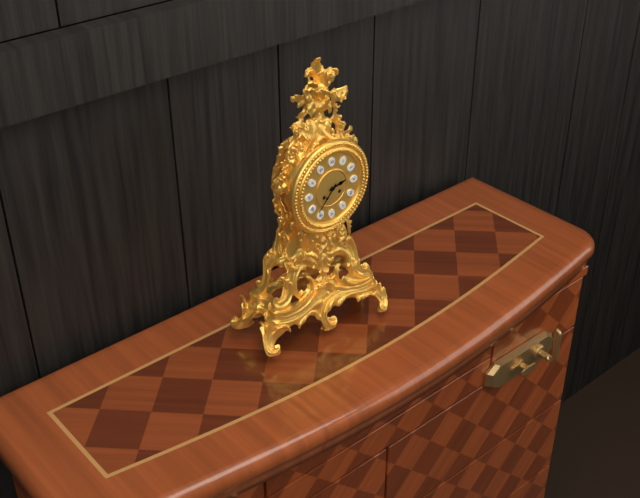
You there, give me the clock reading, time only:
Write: 2:37
